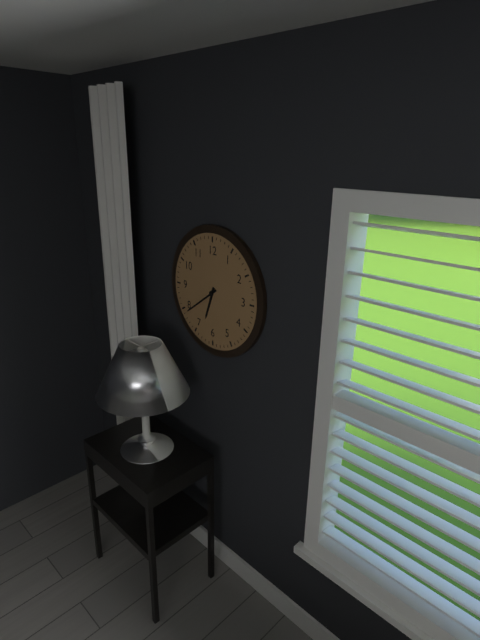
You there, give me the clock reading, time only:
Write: 6:39
